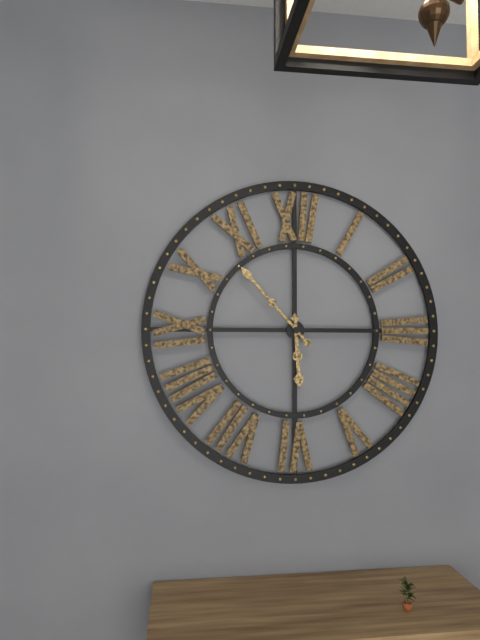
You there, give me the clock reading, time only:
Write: 5:53
